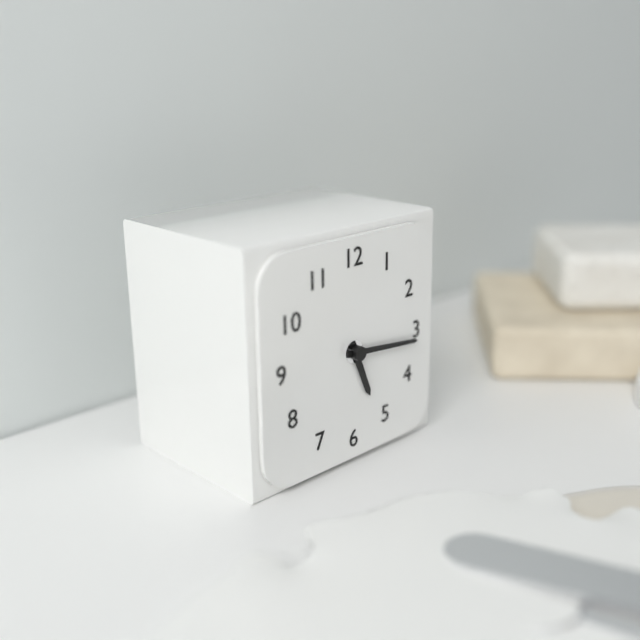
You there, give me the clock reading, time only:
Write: 5:16
